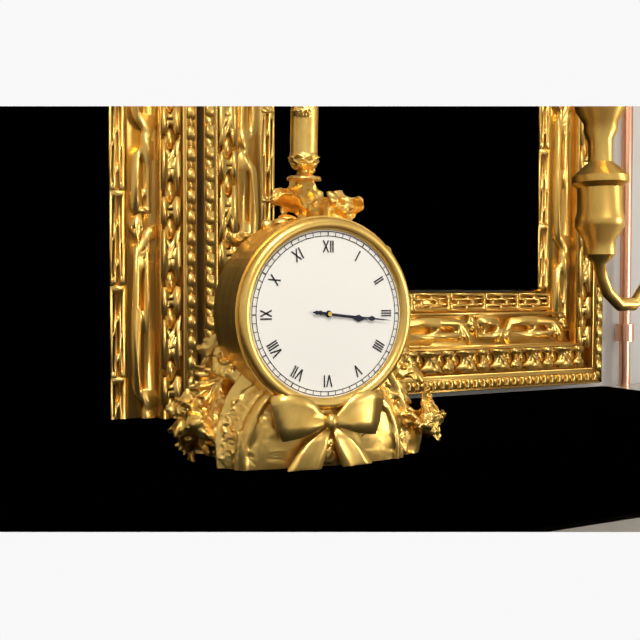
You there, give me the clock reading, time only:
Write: 3:16
